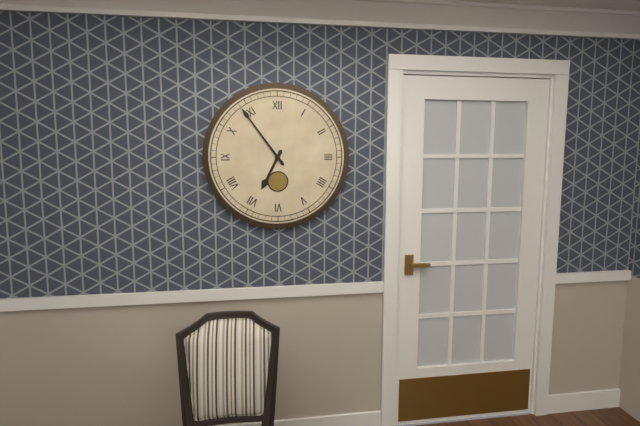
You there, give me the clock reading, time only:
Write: 6:54
